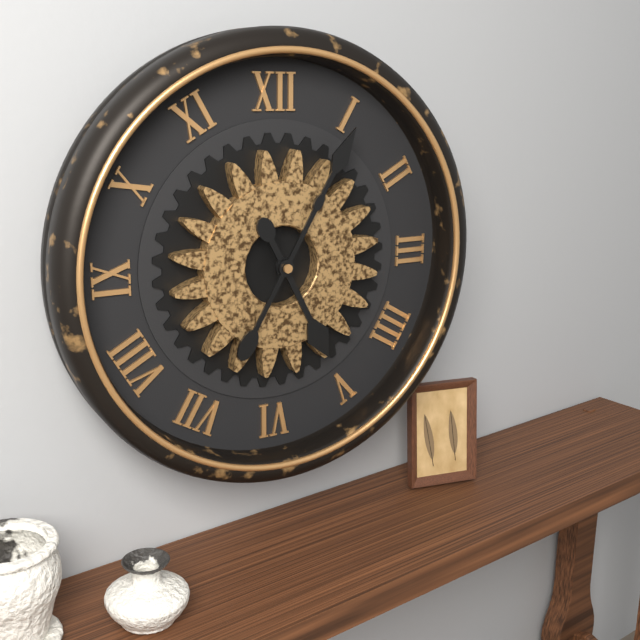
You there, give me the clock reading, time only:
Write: 5:05
